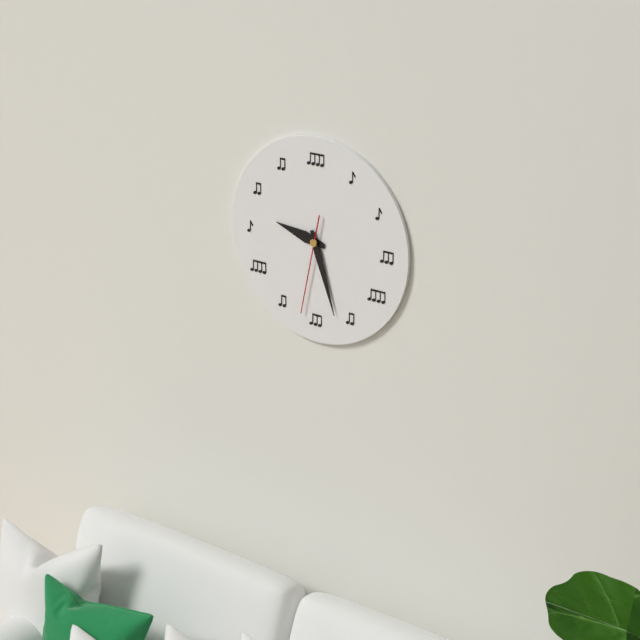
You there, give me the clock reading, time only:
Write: 9:27:32
